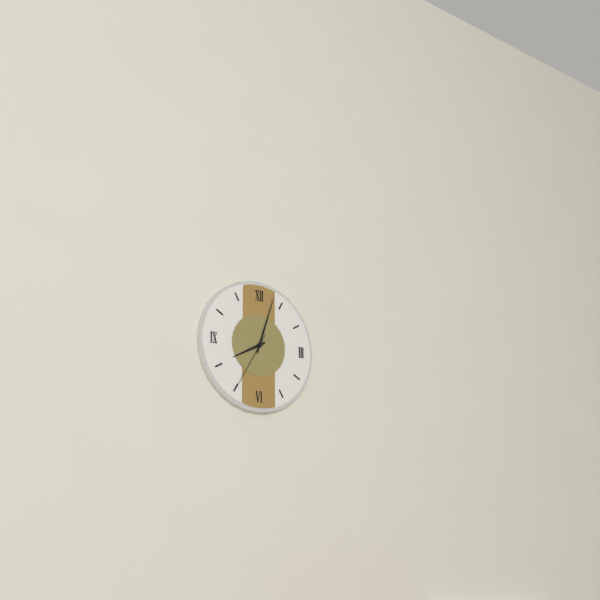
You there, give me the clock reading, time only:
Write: 8:03:35
